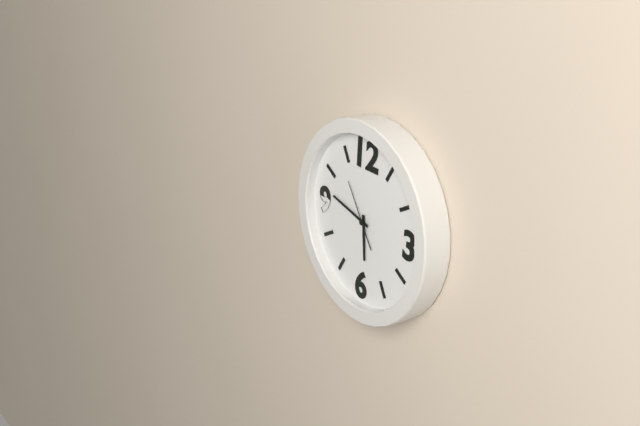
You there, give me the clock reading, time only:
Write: 5:47:54
